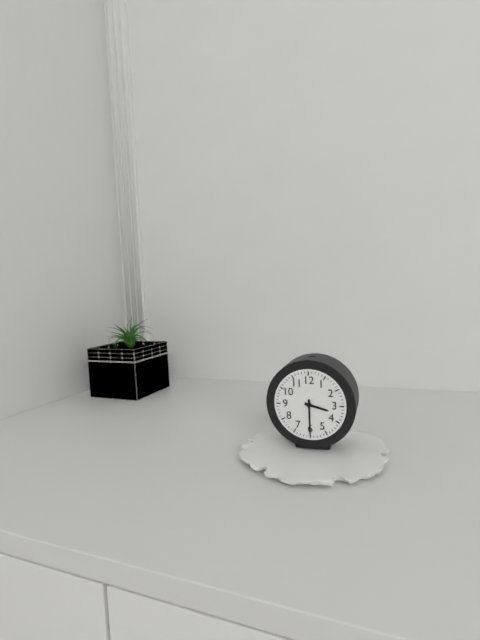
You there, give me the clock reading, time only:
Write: 3:30
